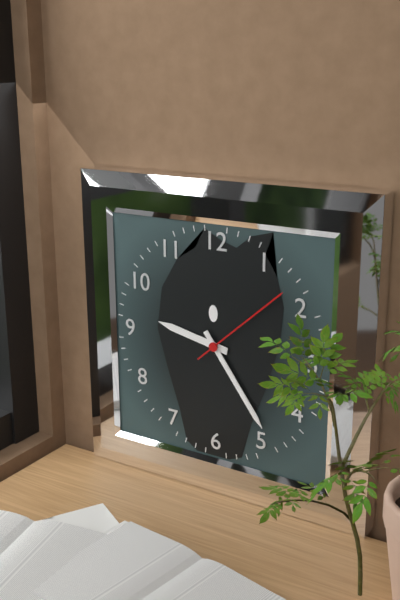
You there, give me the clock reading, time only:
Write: 9:24:08
